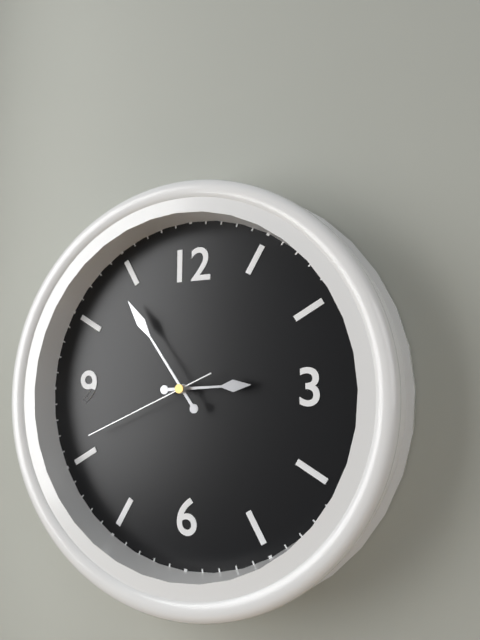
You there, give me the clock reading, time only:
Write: 2:54:41
